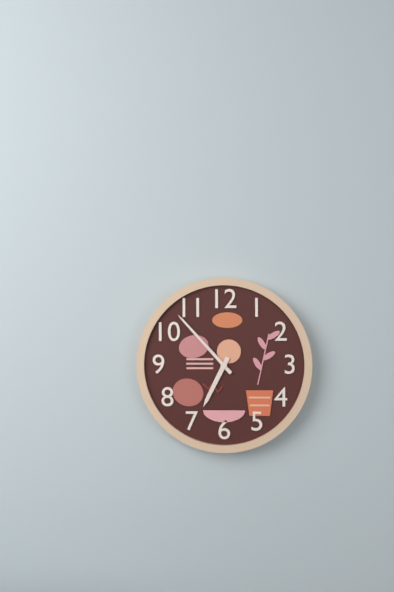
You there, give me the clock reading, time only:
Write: 6:53
